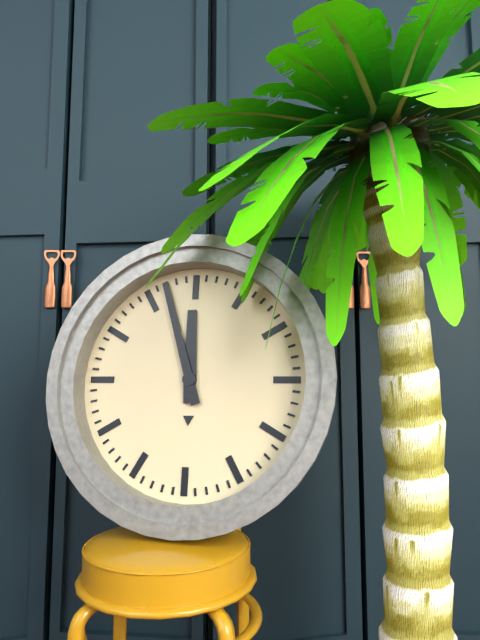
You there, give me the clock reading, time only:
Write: 11:57
